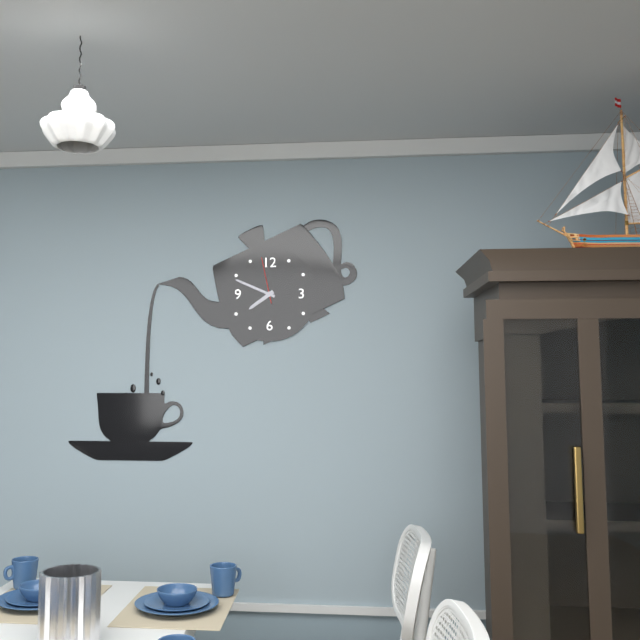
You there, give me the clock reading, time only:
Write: 7:49
